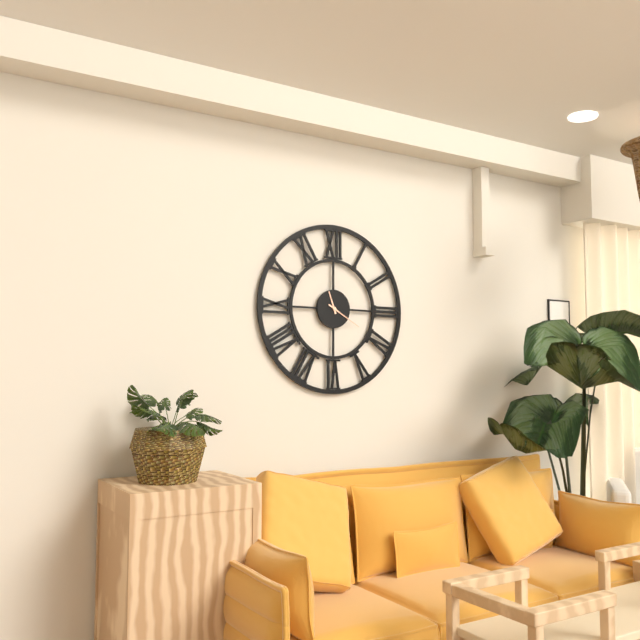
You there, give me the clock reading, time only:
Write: 11:20
